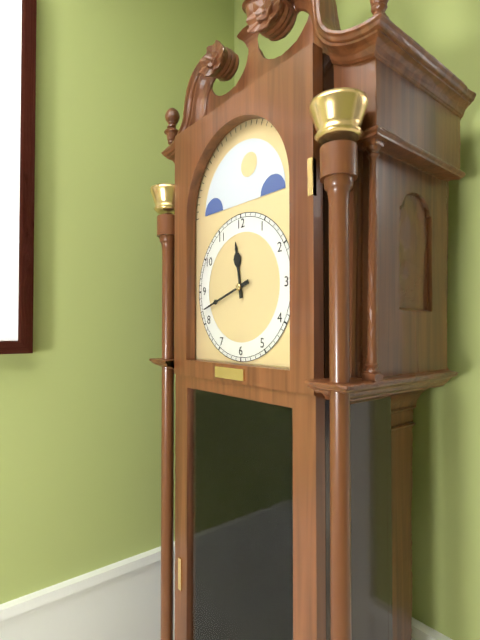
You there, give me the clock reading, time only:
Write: 11:42
